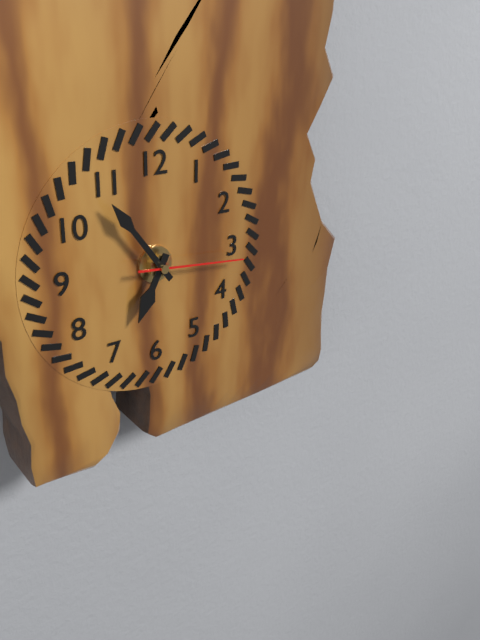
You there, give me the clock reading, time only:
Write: 6:54:16
